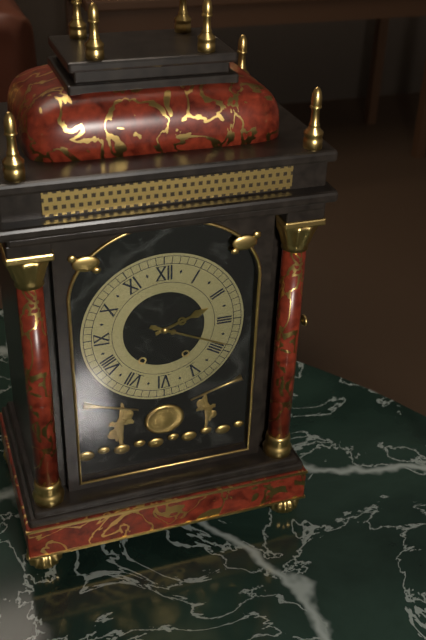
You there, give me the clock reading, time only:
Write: 2:19
